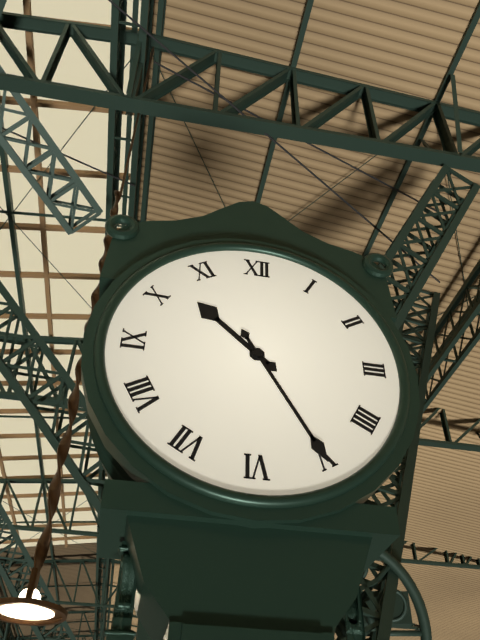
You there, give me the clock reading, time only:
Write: 10:25
